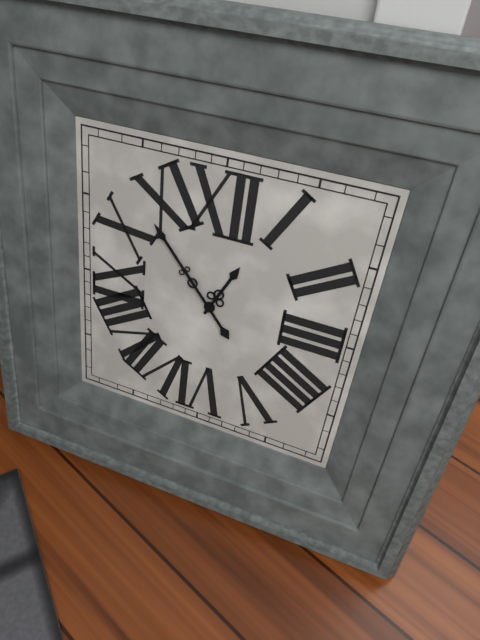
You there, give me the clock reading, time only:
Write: 12:53
